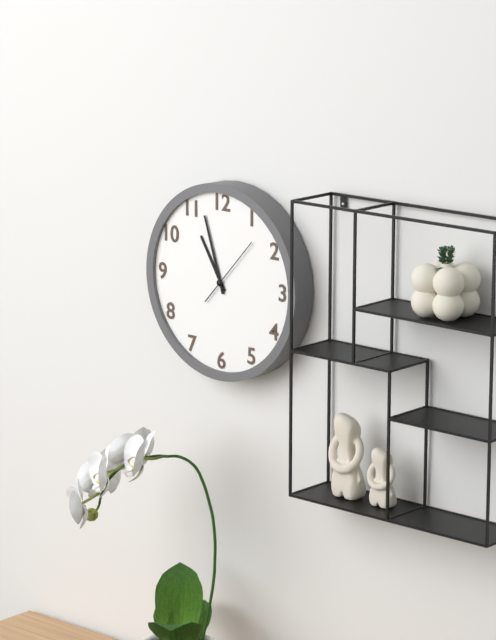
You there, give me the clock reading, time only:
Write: 10:57:07
